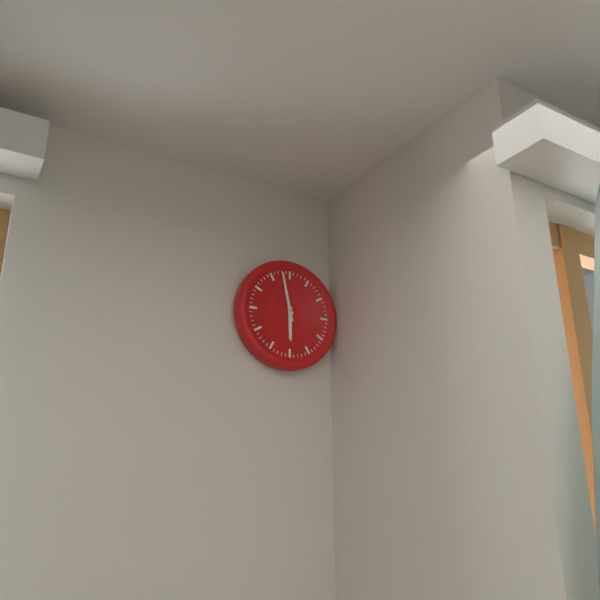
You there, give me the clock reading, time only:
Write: 5:58
